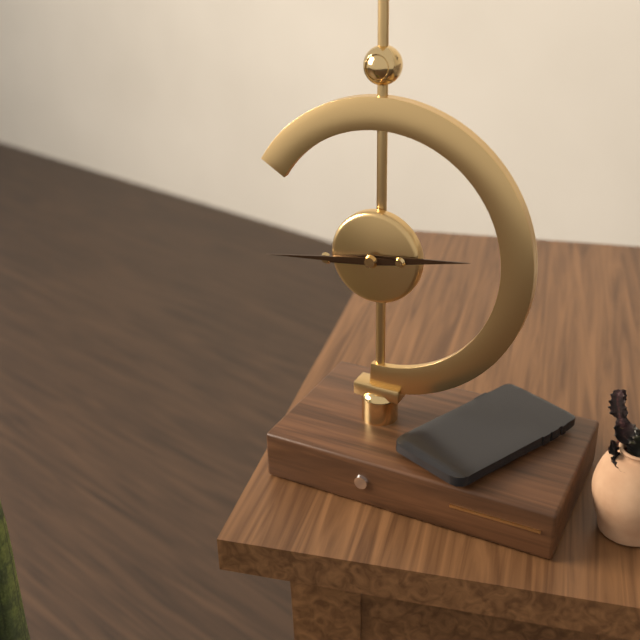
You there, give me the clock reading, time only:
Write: 2:44
